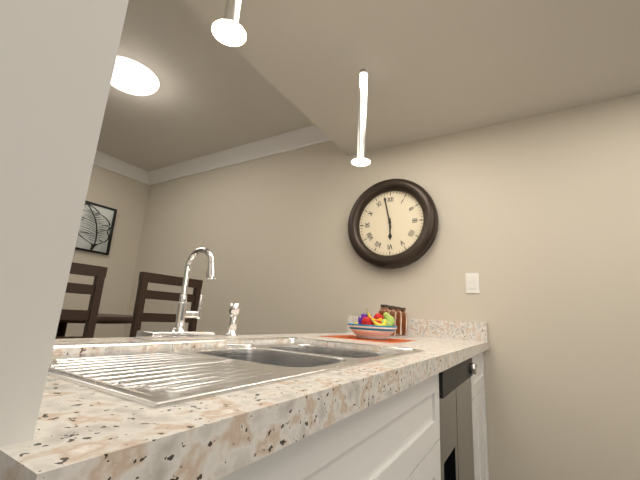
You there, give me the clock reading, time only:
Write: 5:58
